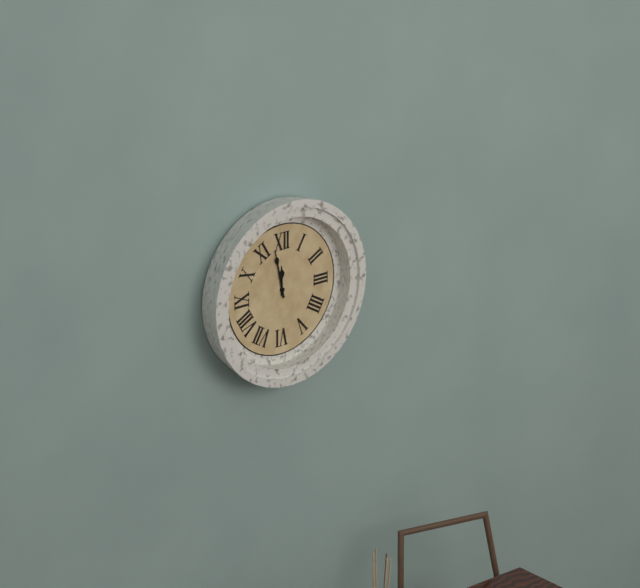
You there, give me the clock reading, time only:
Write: 11:58
